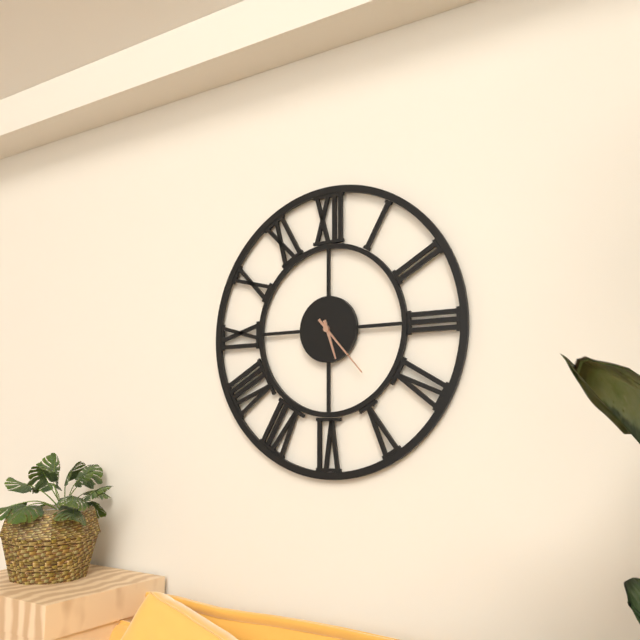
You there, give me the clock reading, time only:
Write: 5:23
